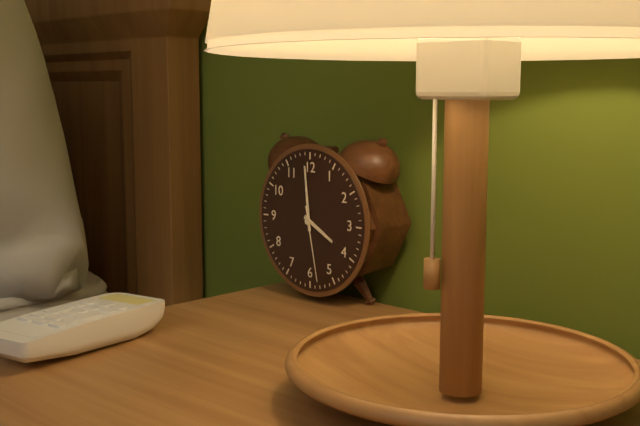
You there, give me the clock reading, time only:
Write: 3:59:28
